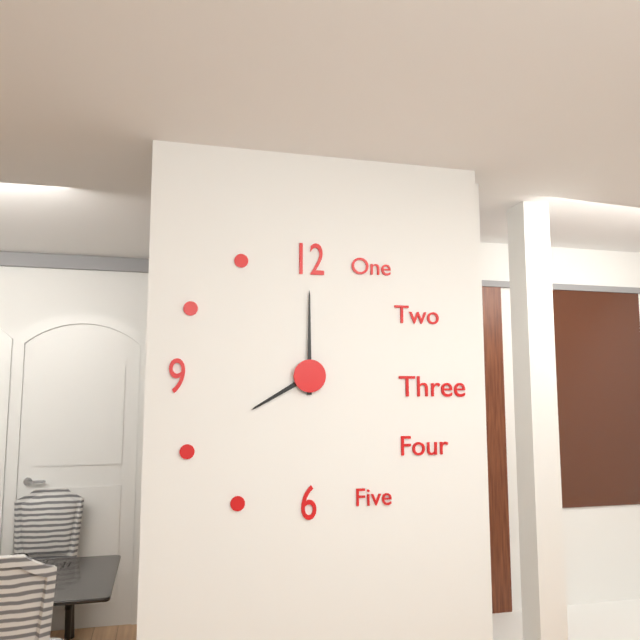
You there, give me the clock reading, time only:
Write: 8:00
